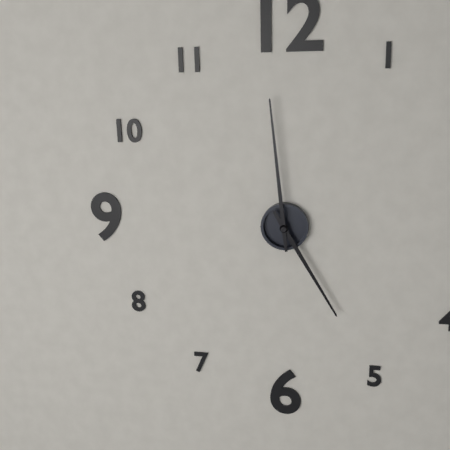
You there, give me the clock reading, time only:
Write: 4:59
